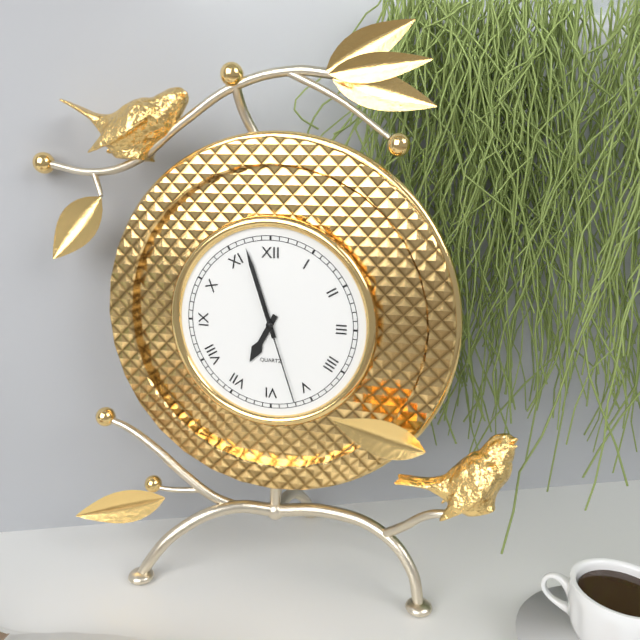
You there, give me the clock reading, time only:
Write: 6:57:27
